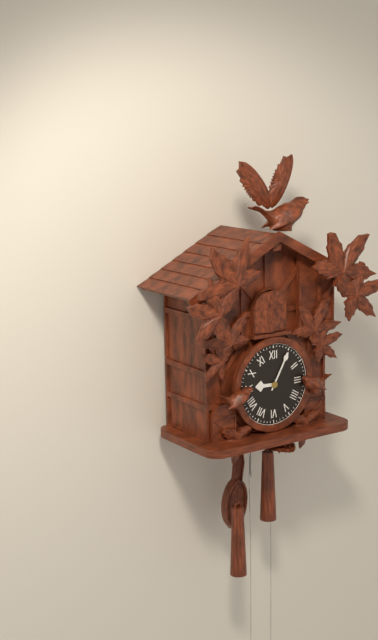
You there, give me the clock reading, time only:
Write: 9:05
